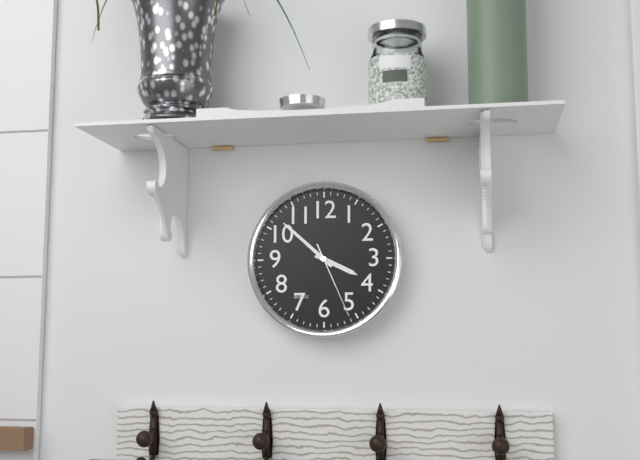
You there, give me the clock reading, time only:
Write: 3:52:26
